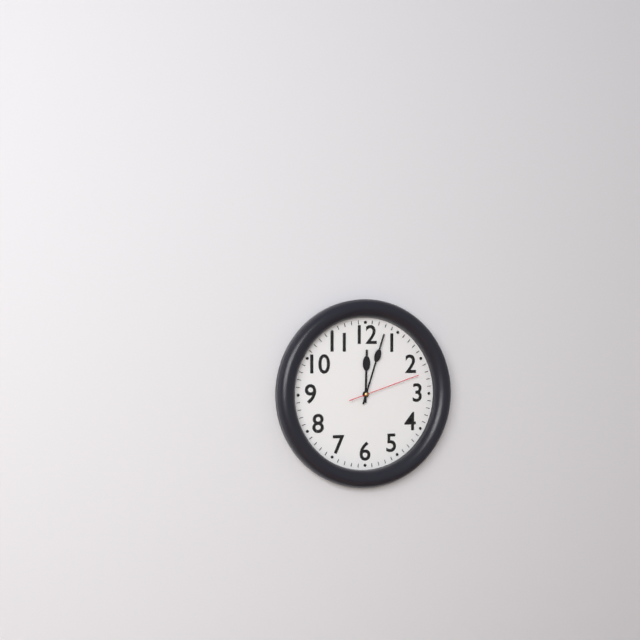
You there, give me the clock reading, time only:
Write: 12:03:12
